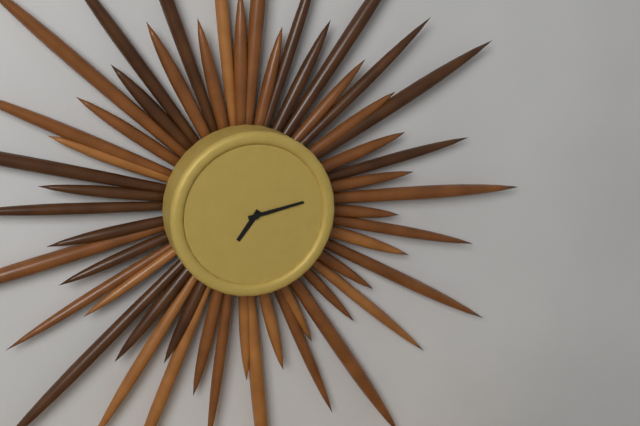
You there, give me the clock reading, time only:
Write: 7:13
